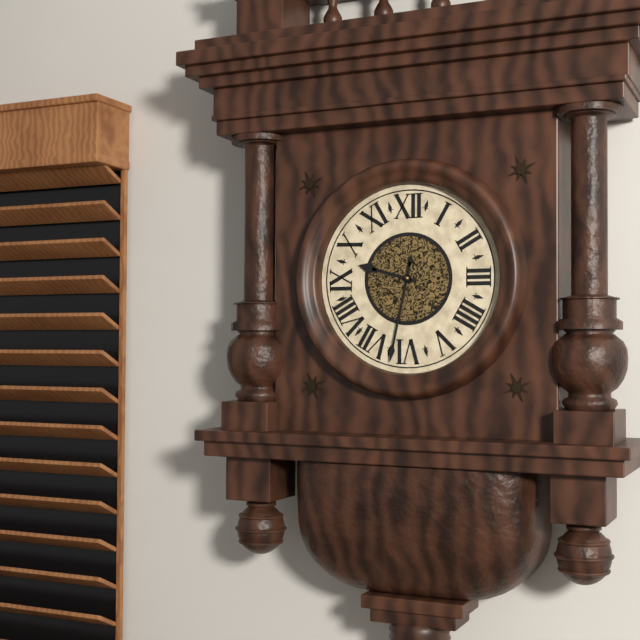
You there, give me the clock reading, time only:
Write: 9:32
